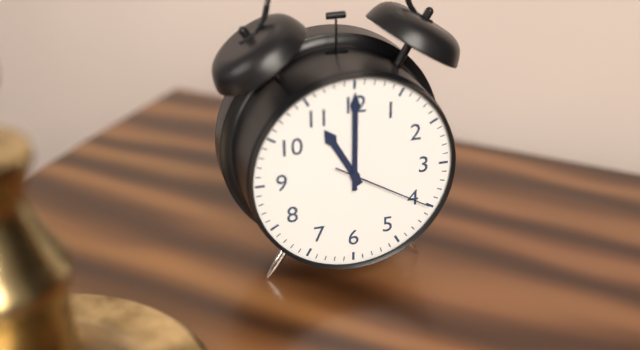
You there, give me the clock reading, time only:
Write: 11:00:20
